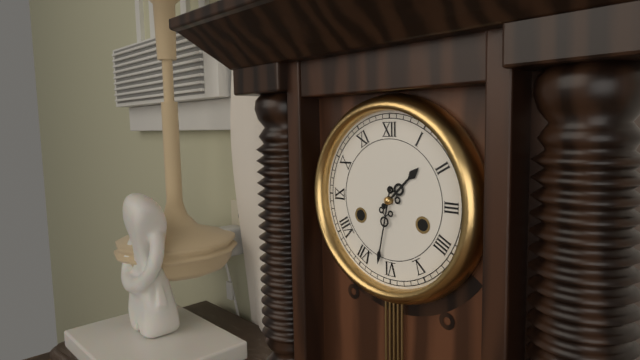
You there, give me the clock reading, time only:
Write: 1:32
